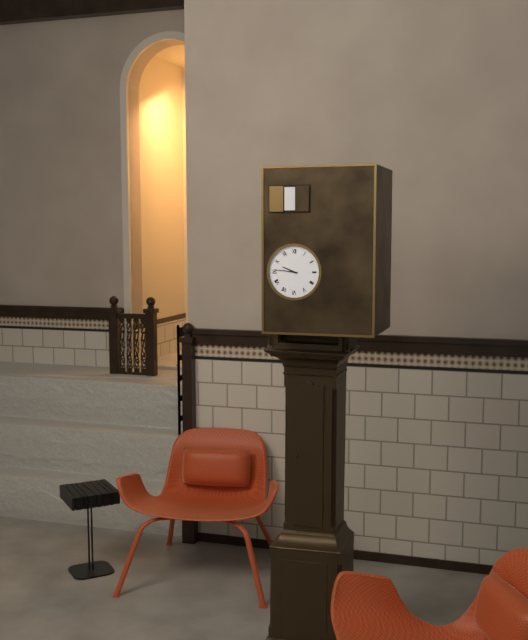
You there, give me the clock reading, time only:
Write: 9:46
